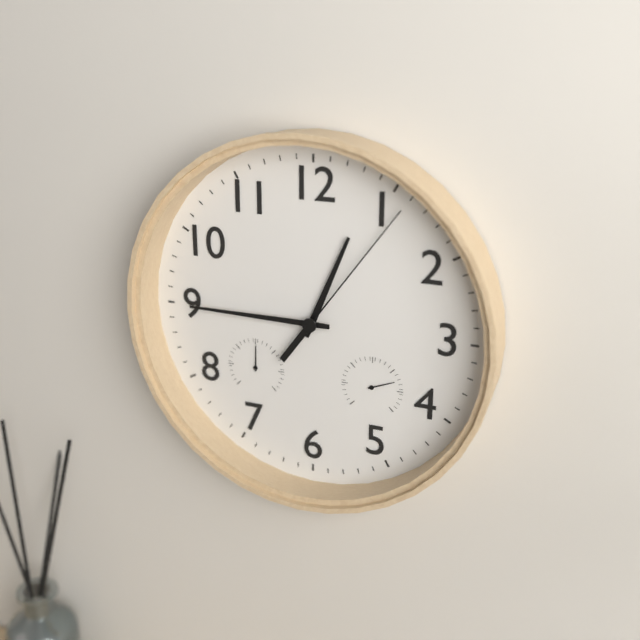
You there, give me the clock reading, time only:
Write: 12:45:06
